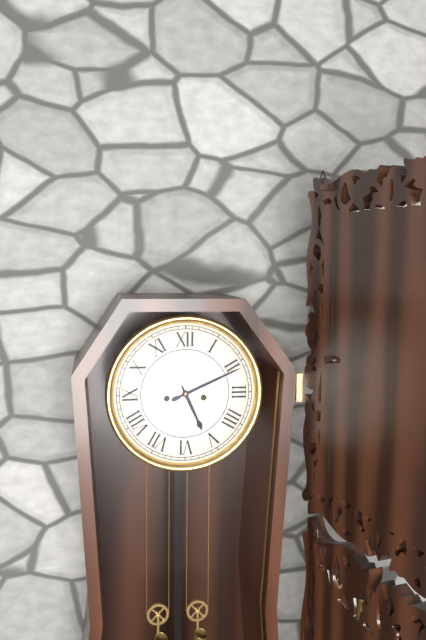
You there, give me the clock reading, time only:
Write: 5:11
